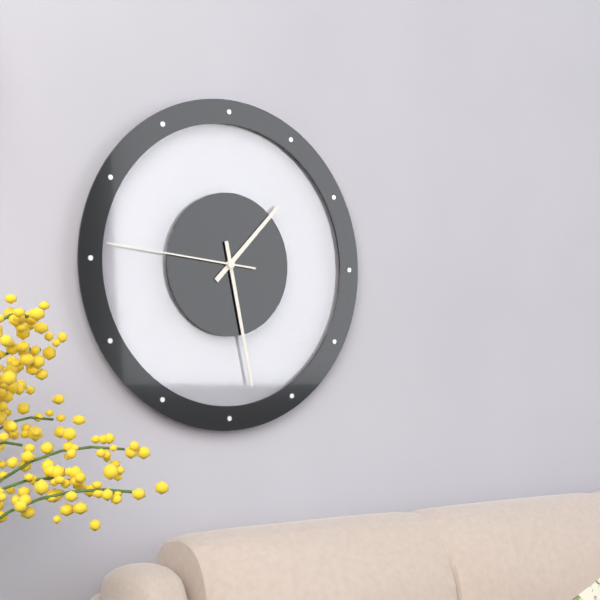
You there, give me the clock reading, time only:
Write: 1:28:46
